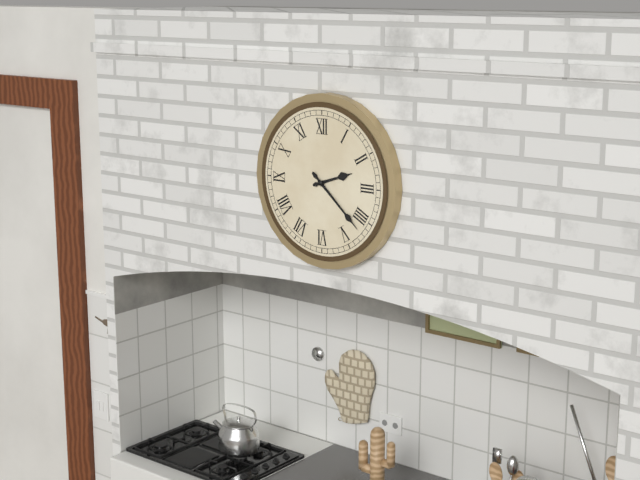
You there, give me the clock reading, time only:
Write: 2:22
